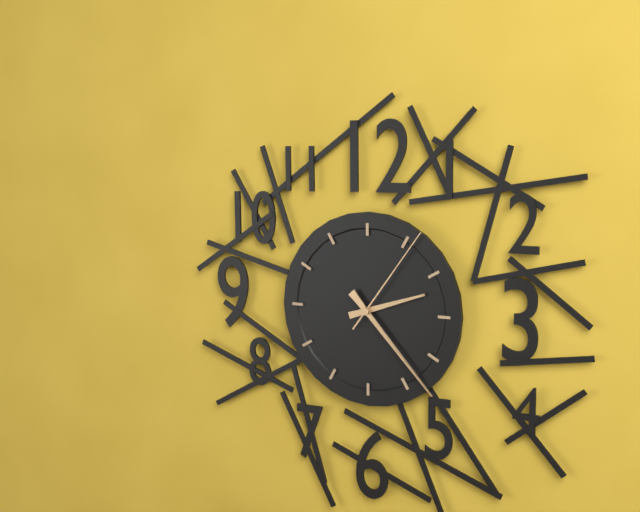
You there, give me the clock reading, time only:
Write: 2:23:06
